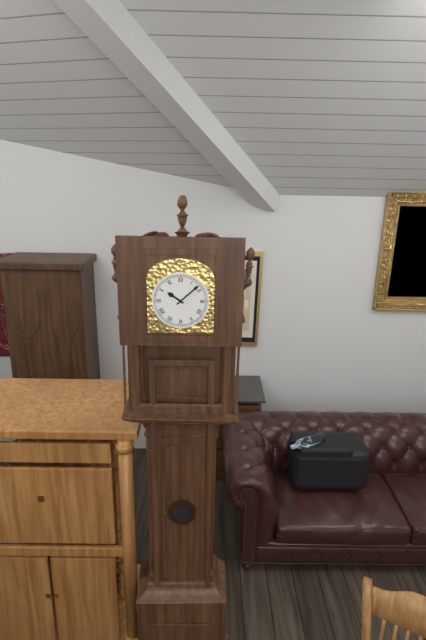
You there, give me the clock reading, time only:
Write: 10:08
